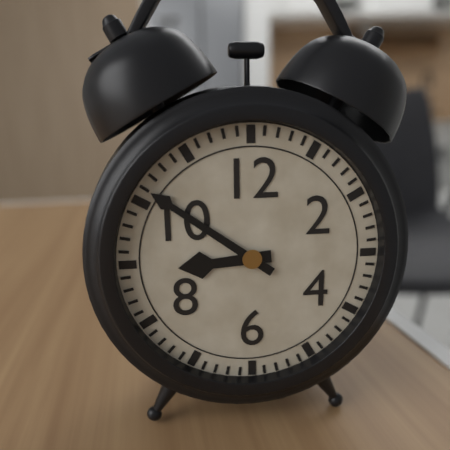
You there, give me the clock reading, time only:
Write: 8:51
